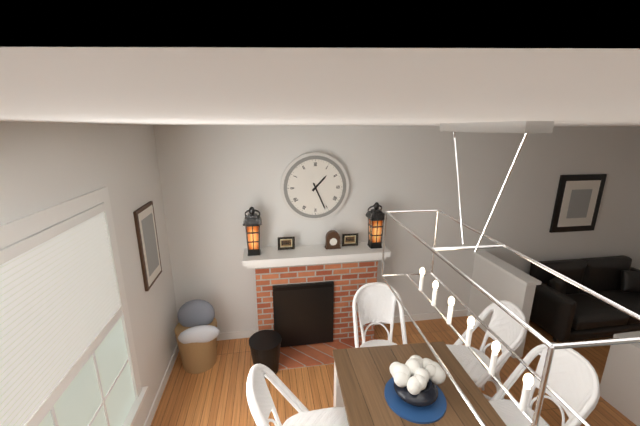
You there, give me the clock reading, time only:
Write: 1:26
